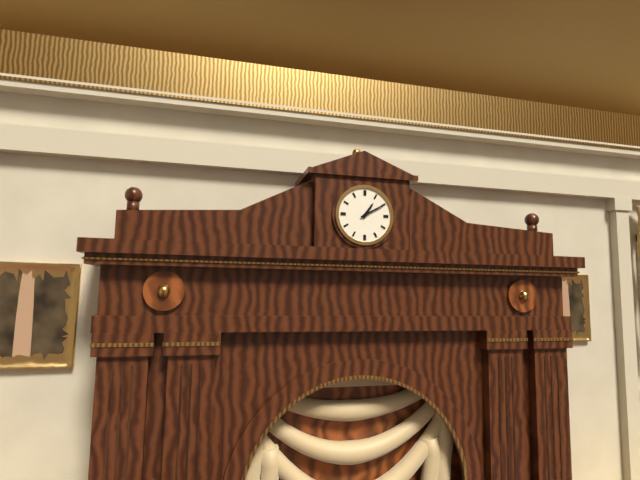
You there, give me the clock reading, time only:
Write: 1:10
